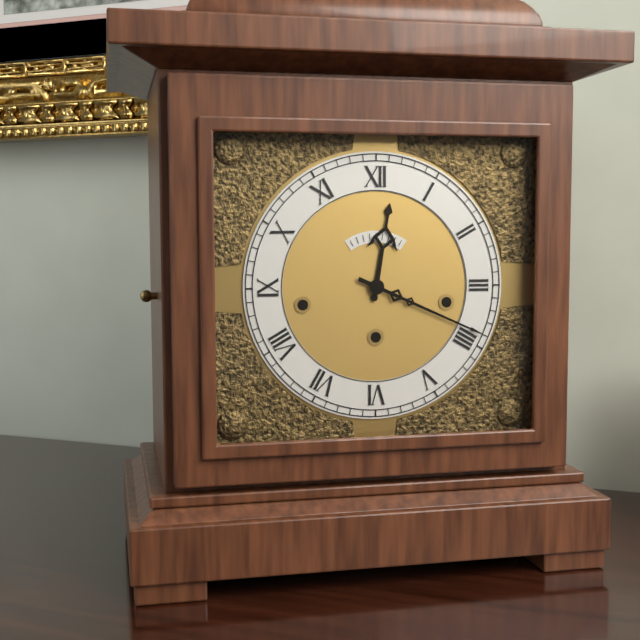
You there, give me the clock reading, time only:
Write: 12:19
